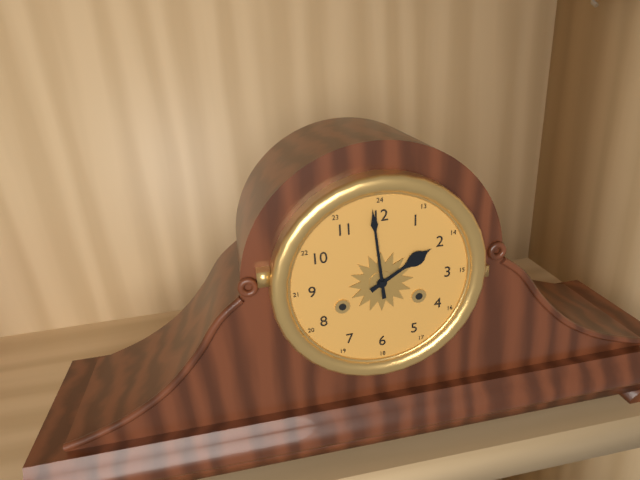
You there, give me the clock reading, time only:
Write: 1:59
